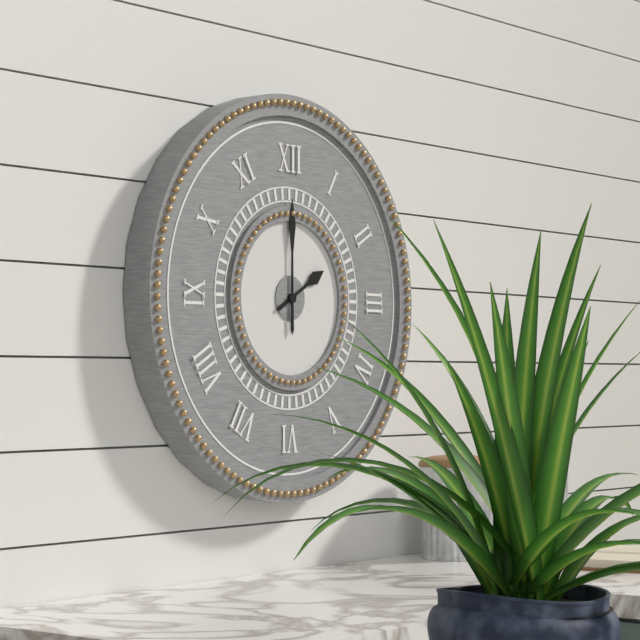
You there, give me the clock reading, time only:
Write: 2:00
